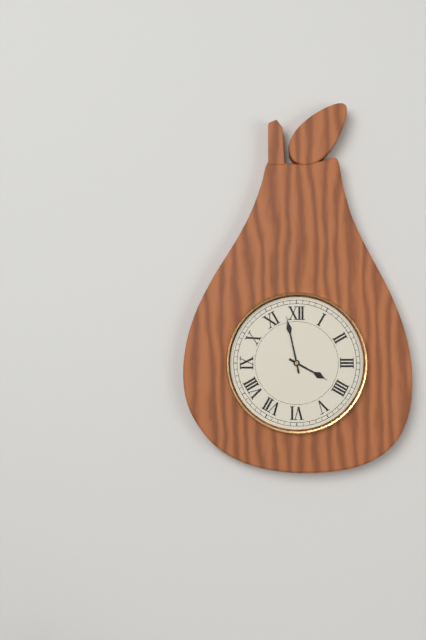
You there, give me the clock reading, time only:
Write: 3:58
